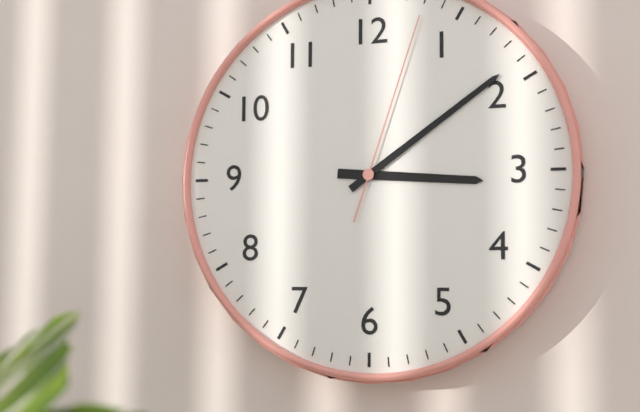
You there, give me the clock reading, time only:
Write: 3:09:03
